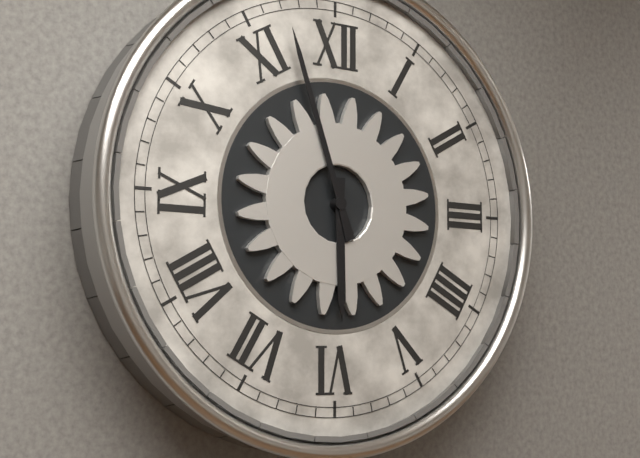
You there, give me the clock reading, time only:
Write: 5:57
